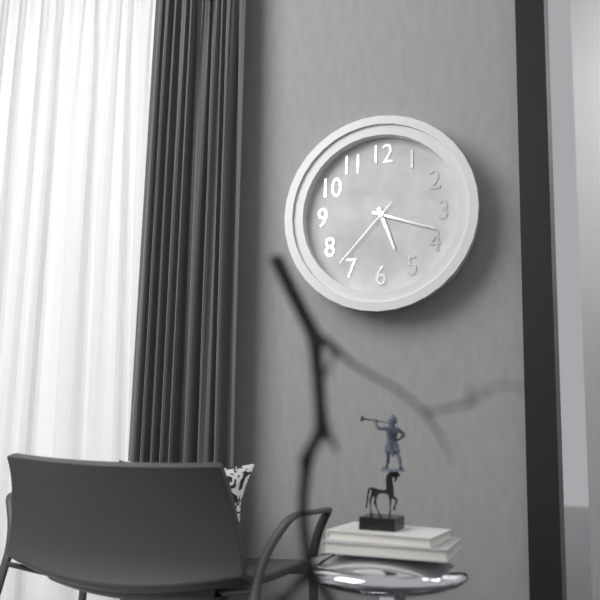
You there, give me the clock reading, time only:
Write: 5:18:37
